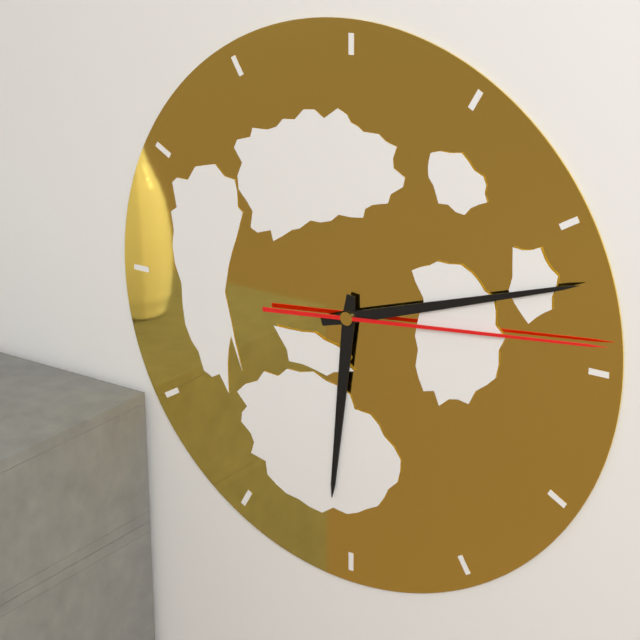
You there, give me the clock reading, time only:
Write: 6:12:14
